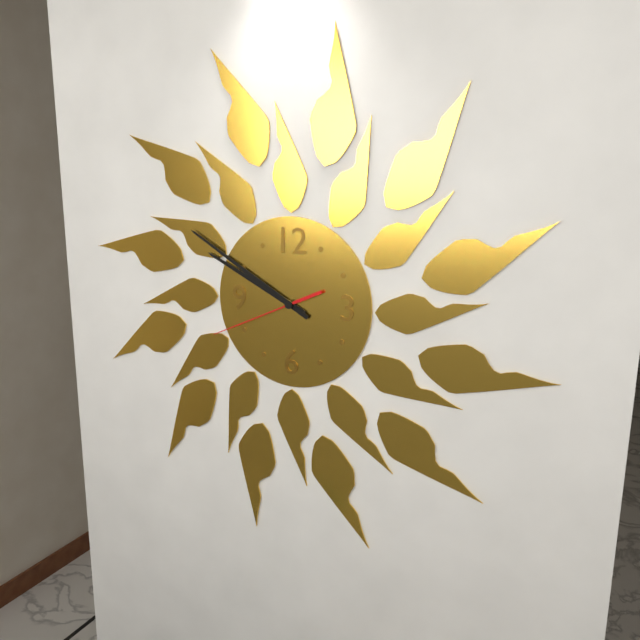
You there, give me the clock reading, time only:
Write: 9:50:41
